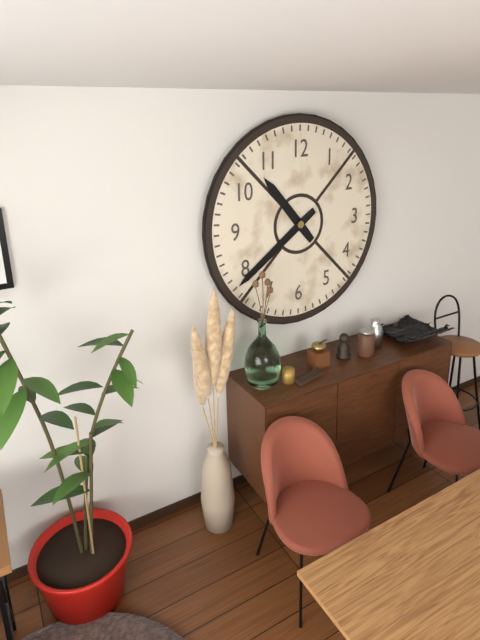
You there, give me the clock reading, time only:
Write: 10:39
